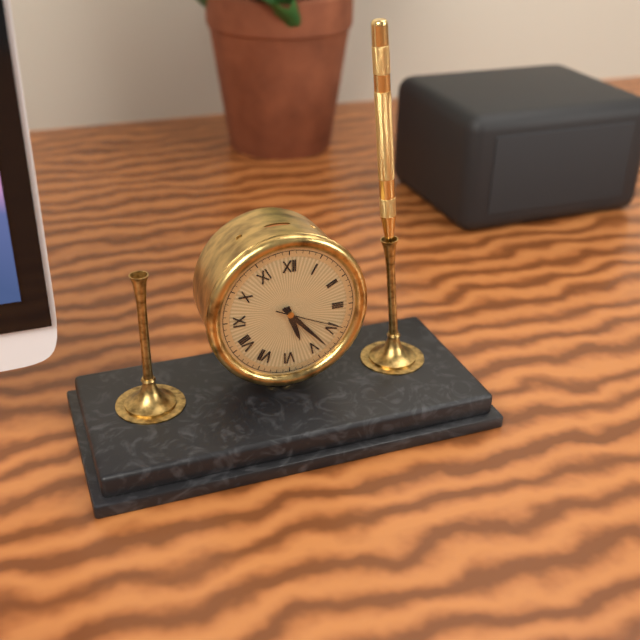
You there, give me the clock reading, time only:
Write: 5:23:19
